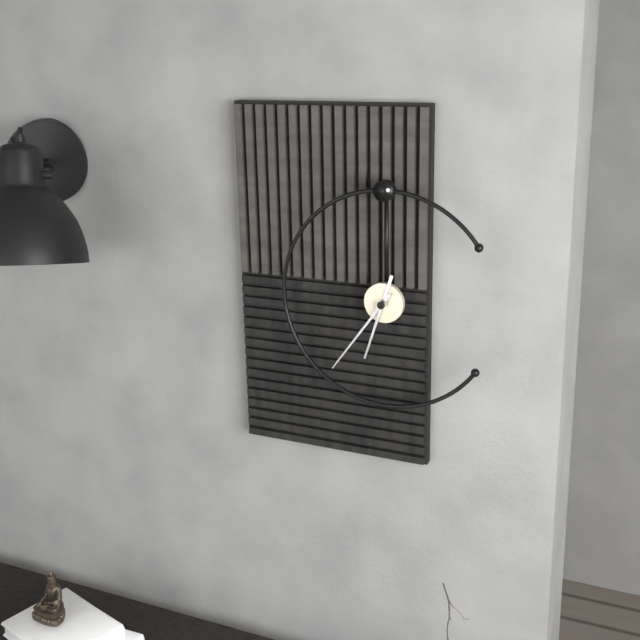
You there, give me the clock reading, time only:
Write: 6:36
